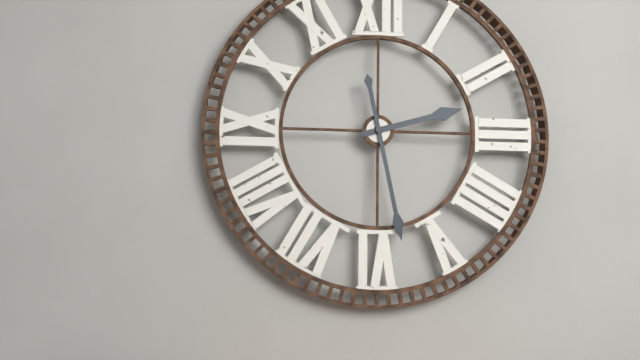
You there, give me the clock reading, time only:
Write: 2:28
